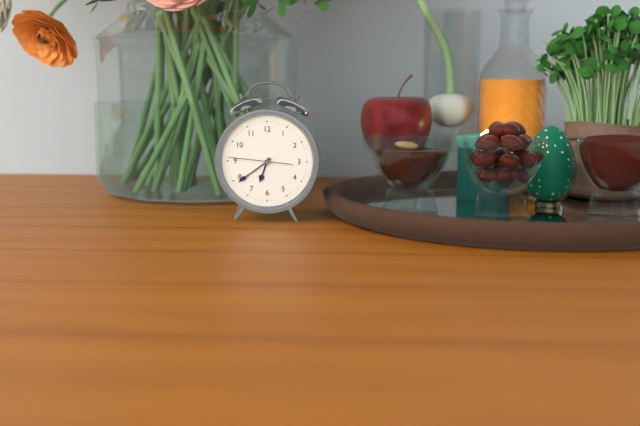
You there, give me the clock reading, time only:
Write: 6:39
